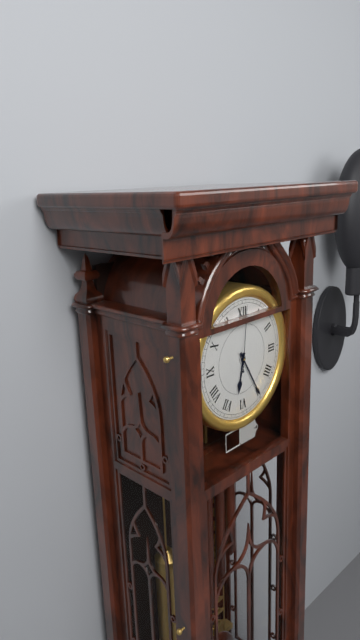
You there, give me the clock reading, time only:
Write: 6:25:01
